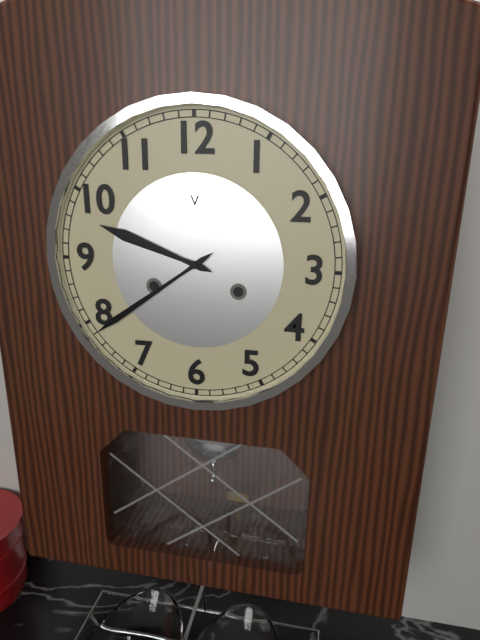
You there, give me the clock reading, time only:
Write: 9:39
